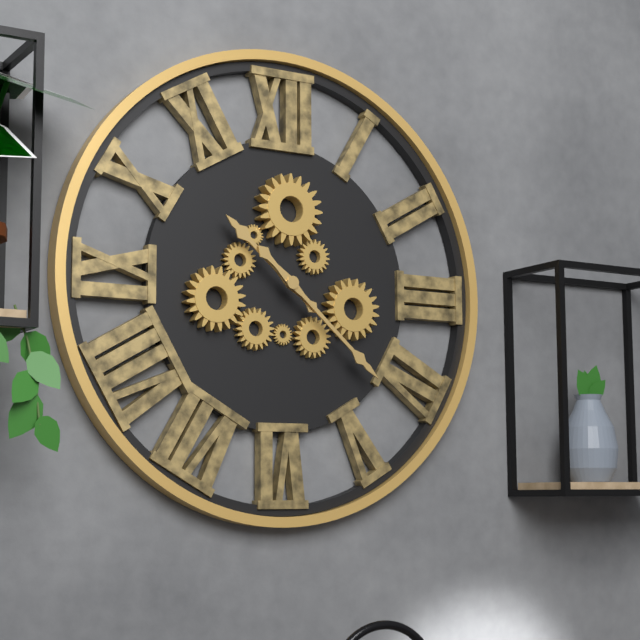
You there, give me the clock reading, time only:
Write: 10:22
